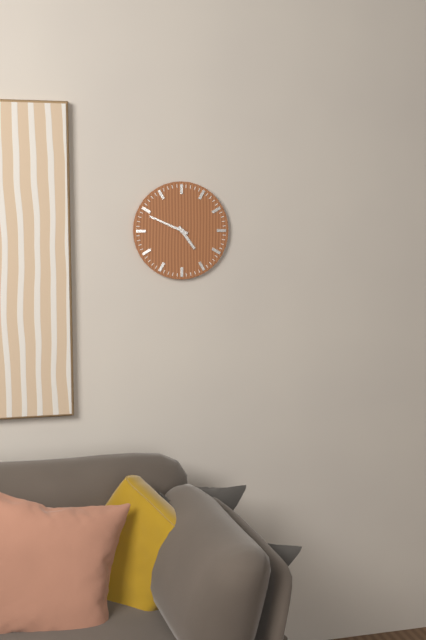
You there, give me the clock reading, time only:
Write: 4:49
